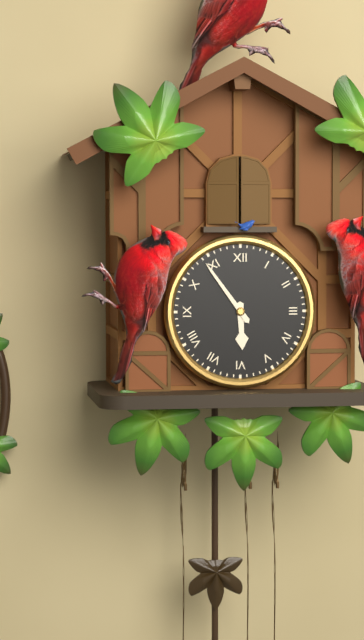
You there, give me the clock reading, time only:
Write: 5:54
